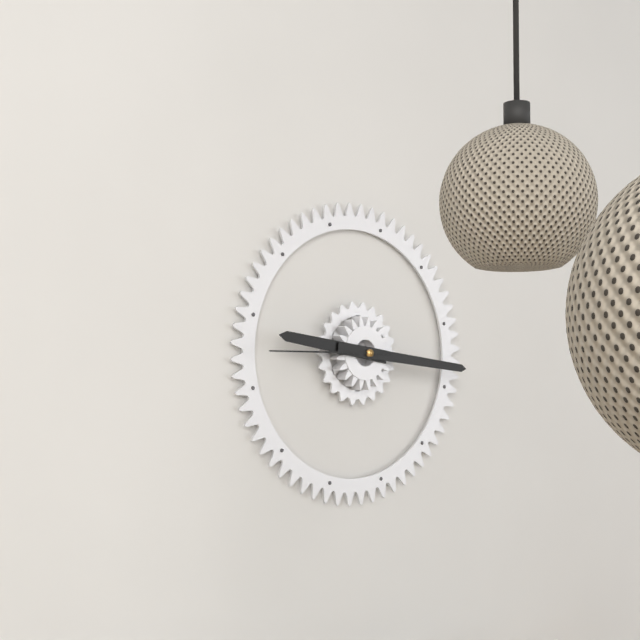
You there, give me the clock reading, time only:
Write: 9:16:45
